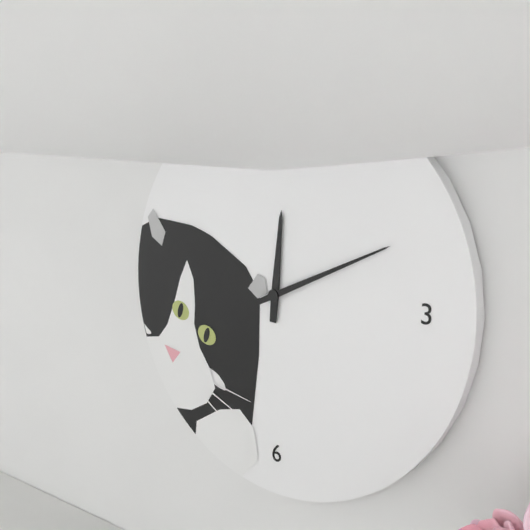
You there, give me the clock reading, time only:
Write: 12:11
